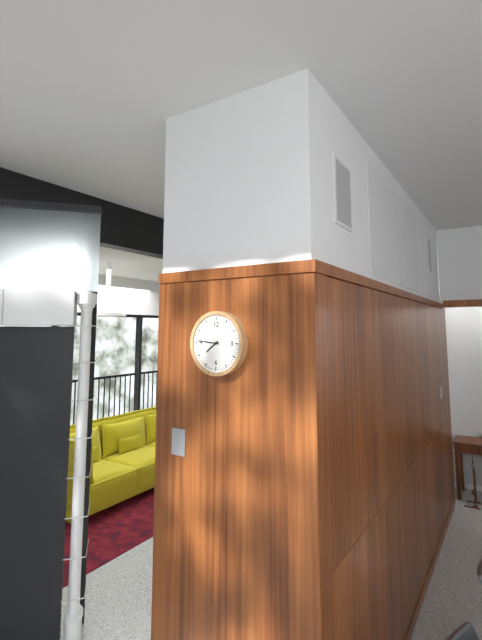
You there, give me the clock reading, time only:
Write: 7:46
